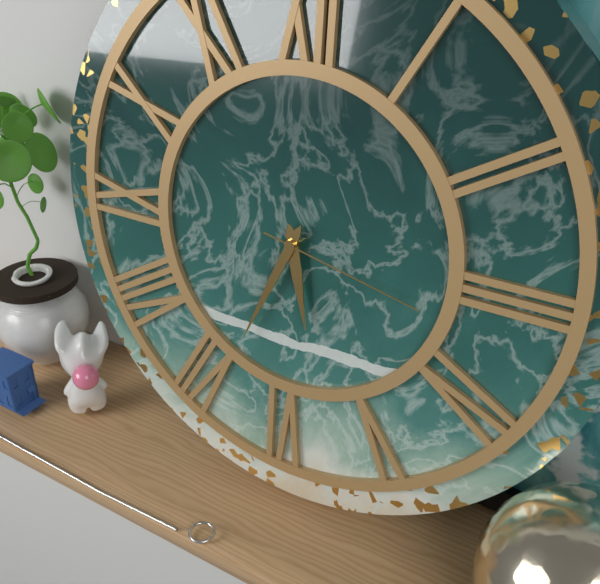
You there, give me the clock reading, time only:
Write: 5:34:17
